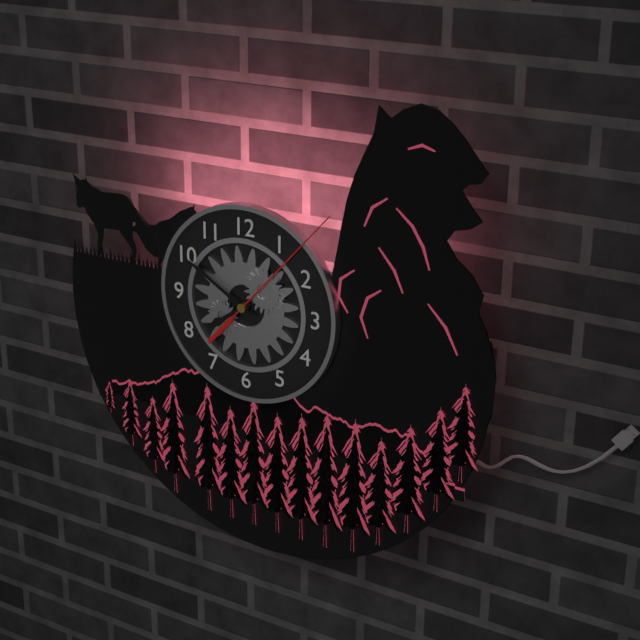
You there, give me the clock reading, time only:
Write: 7:50:07
